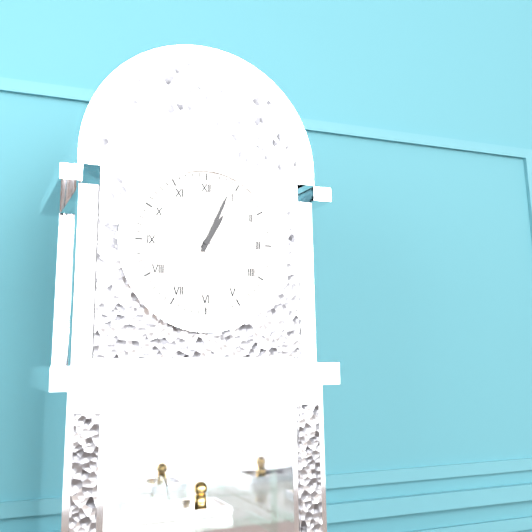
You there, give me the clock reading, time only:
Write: 1:04
